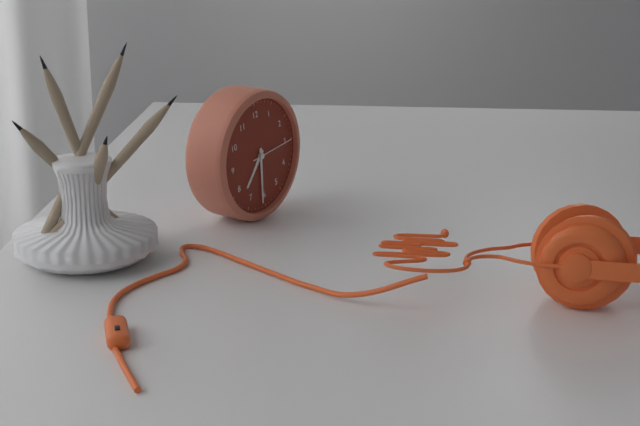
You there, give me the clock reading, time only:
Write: 7:31:15
